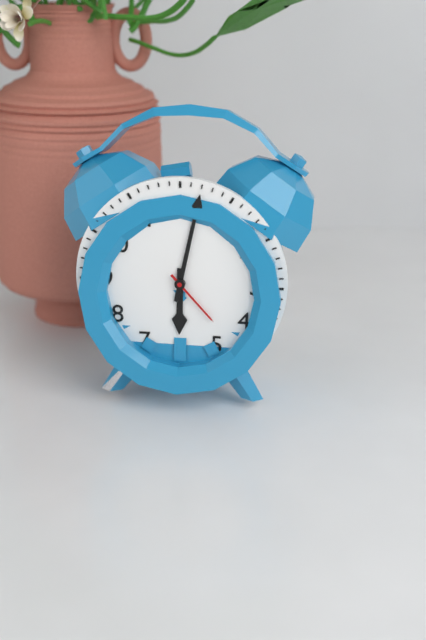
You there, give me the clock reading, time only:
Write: 6:02:23
